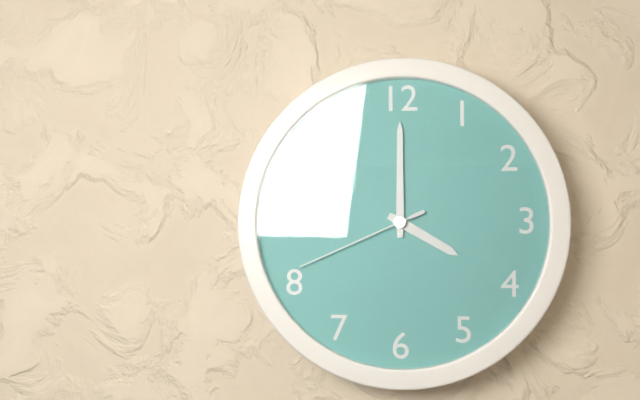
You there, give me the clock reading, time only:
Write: 4:00:41
